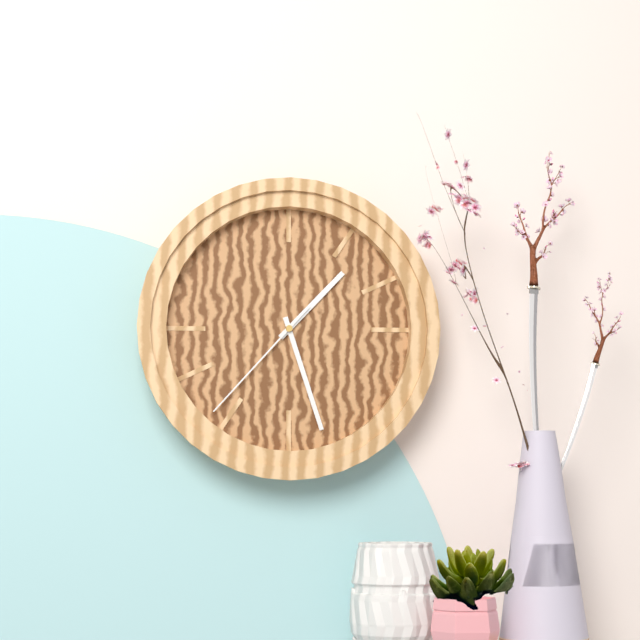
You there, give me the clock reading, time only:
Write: 1:27:37
